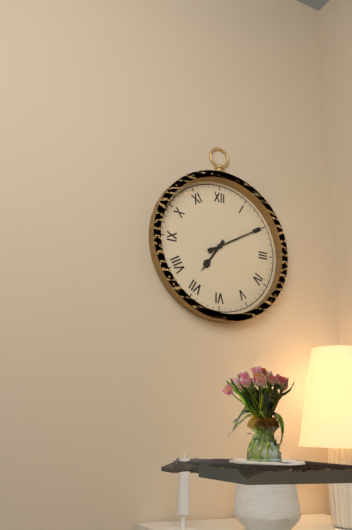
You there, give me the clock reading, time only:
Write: 7:10
